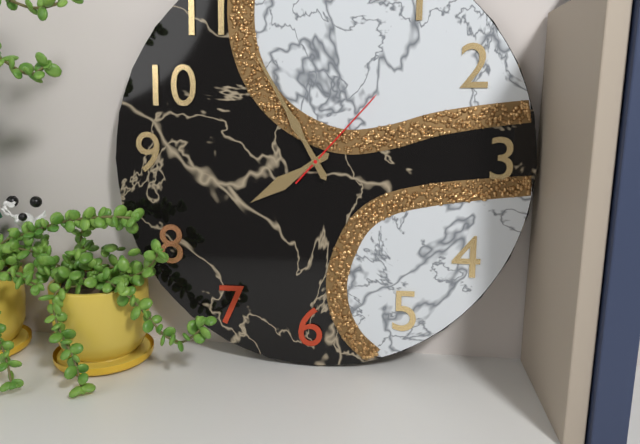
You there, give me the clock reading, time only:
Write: 7:55:07
